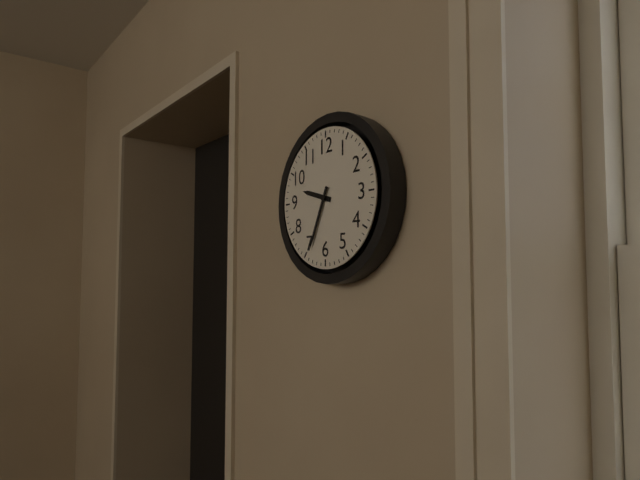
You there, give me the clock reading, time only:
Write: 9:34
